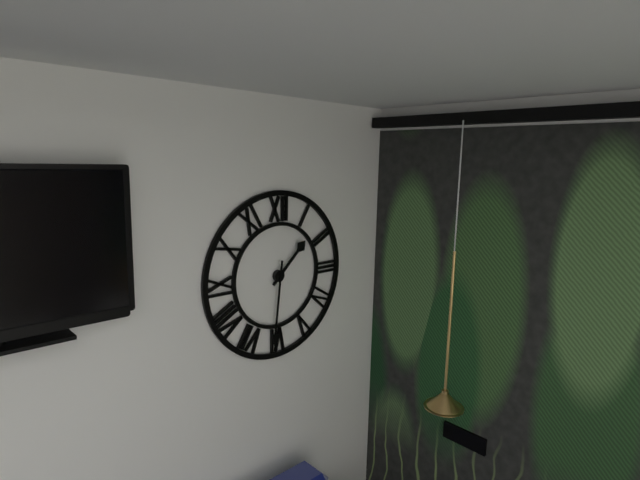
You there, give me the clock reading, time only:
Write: 1:31
